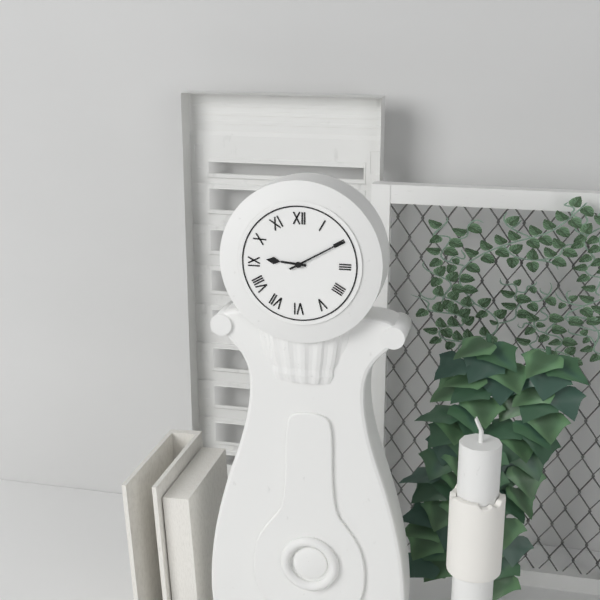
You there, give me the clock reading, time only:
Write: 9:10
